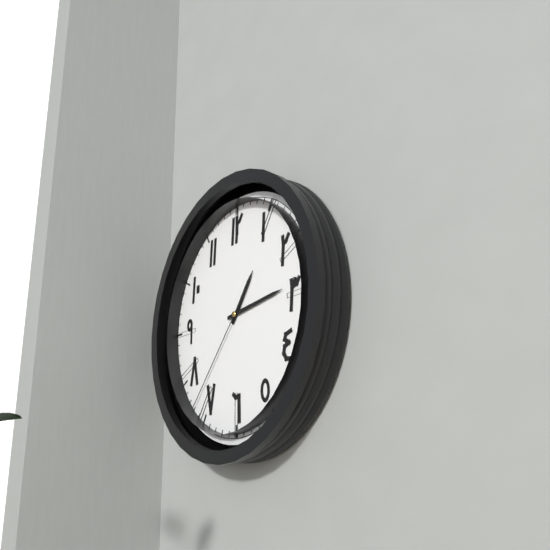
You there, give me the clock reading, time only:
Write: 1:14:37
